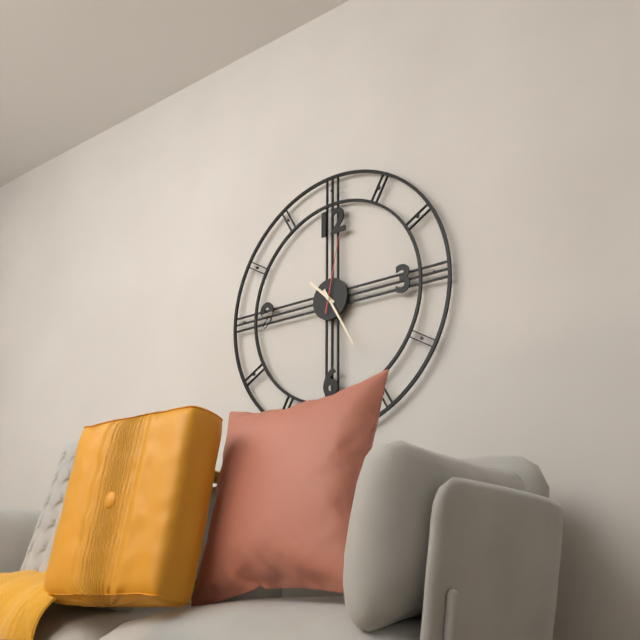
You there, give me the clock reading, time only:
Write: 10:25:02
